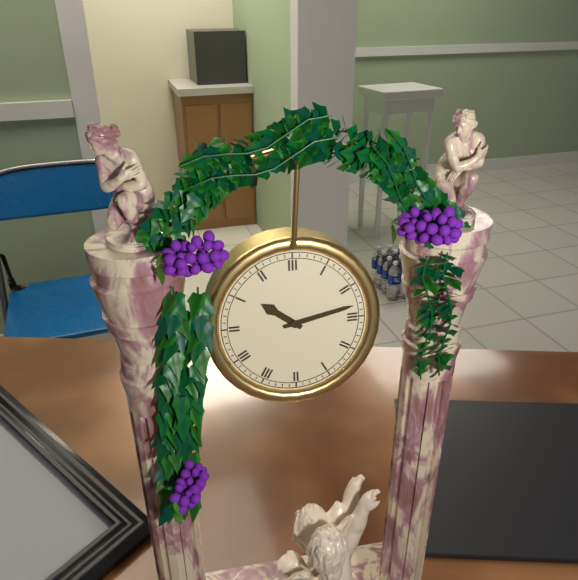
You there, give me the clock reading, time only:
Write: 10:13
